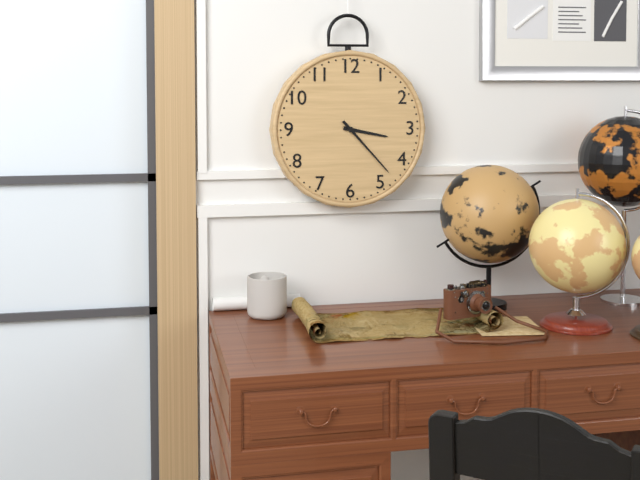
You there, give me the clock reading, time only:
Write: 3:23
